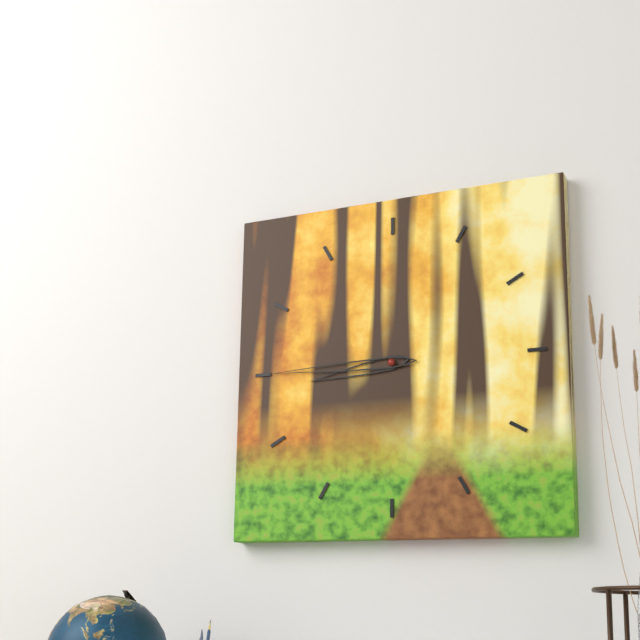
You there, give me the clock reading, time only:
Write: 8:45
